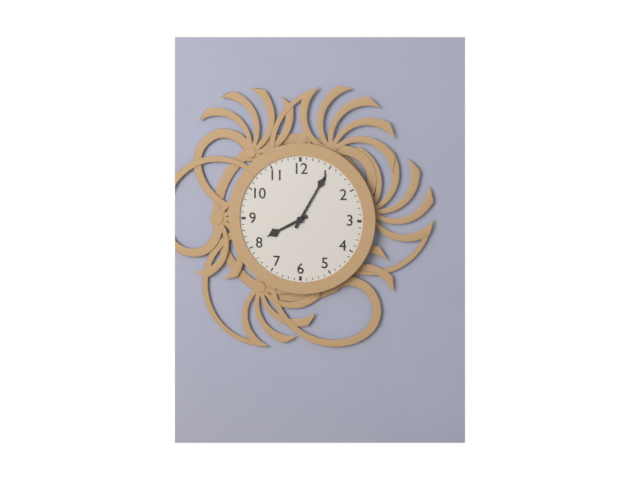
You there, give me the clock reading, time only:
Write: 8:05
